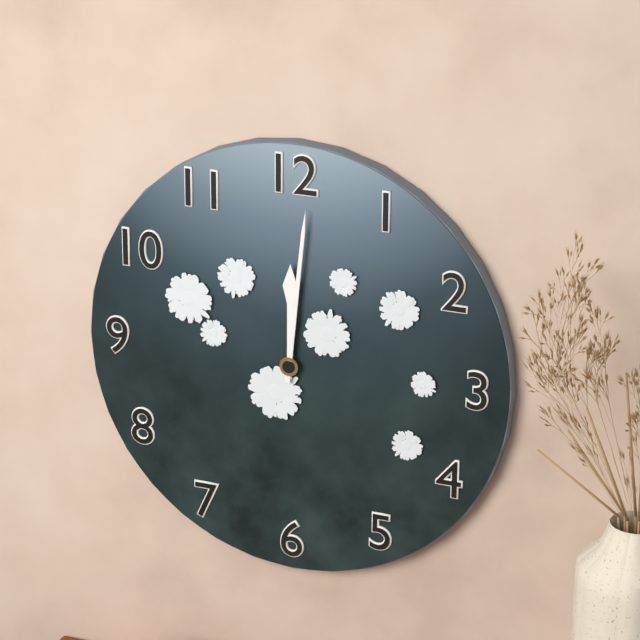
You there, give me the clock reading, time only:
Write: 12:01
